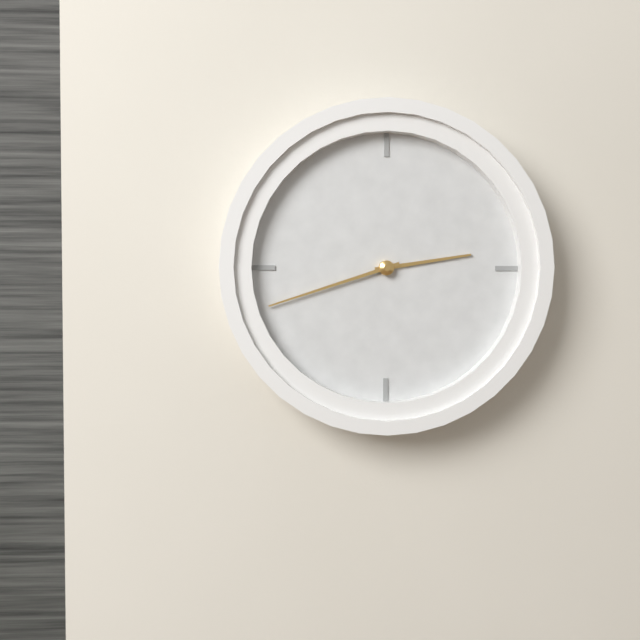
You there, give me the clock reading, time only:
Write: 2:42
